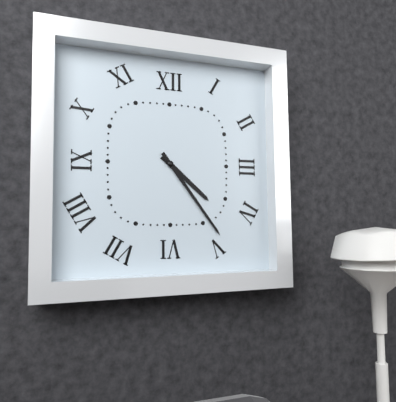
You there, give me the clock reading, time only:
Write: 4:24
